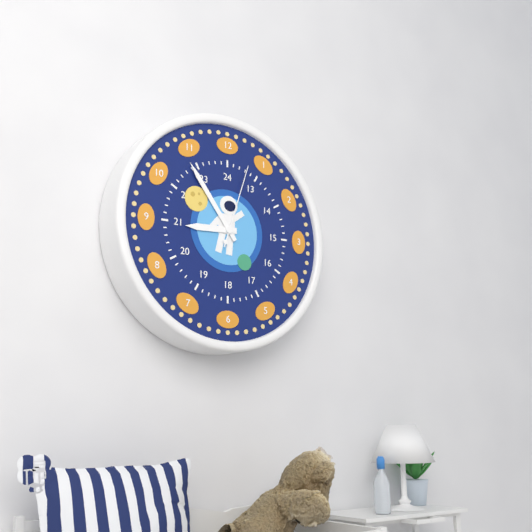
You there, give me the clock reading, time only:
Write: 8:54:03
